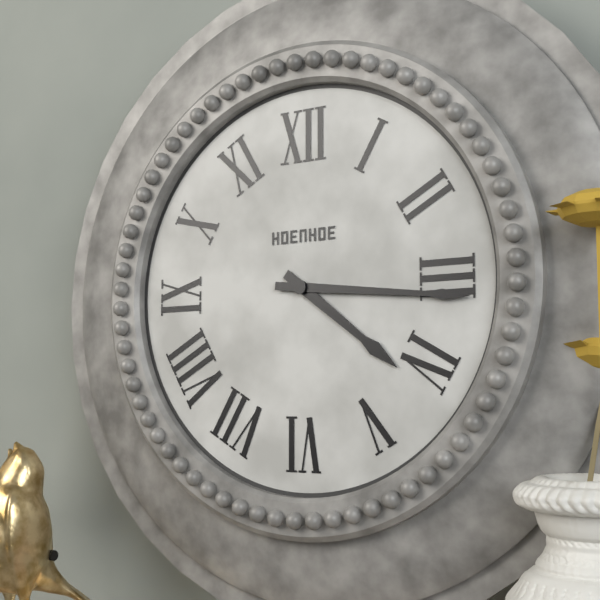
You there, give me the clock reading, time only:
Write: 4:16
